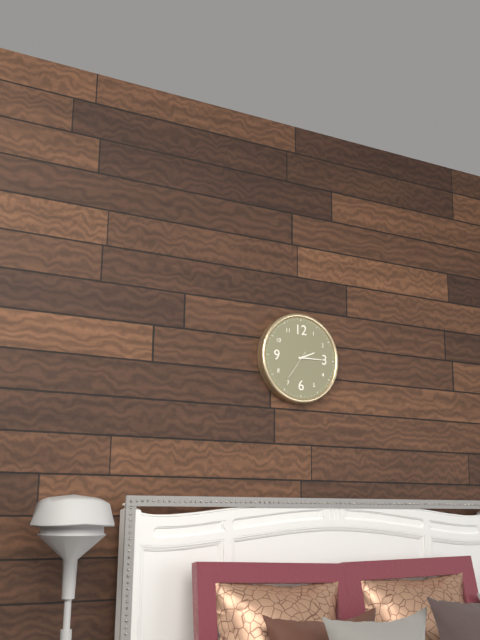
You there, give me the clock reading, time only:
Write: 2:15
